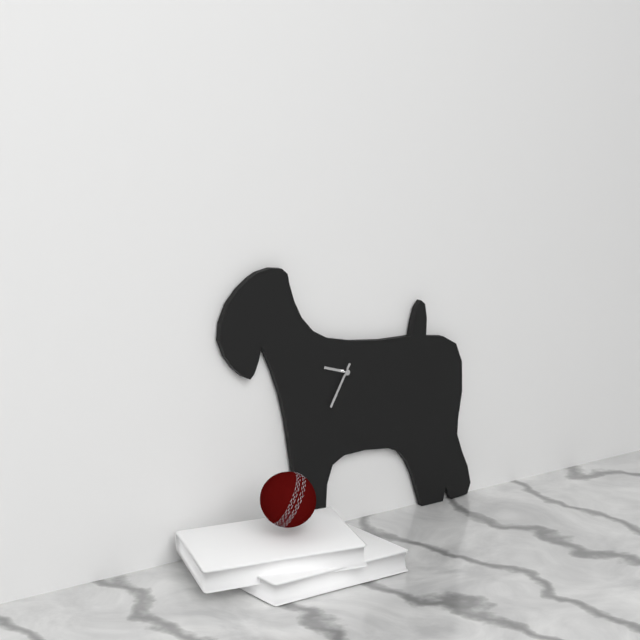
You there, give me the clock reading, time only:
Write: 9:35
